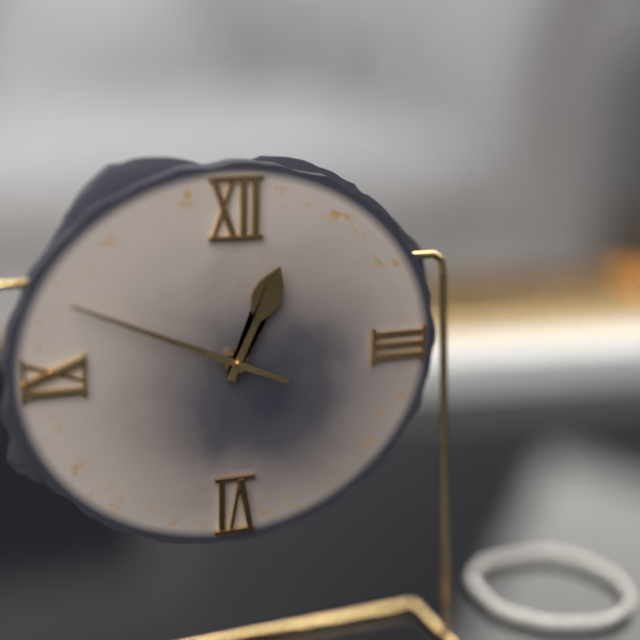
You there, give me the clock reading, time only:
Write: 12:49
